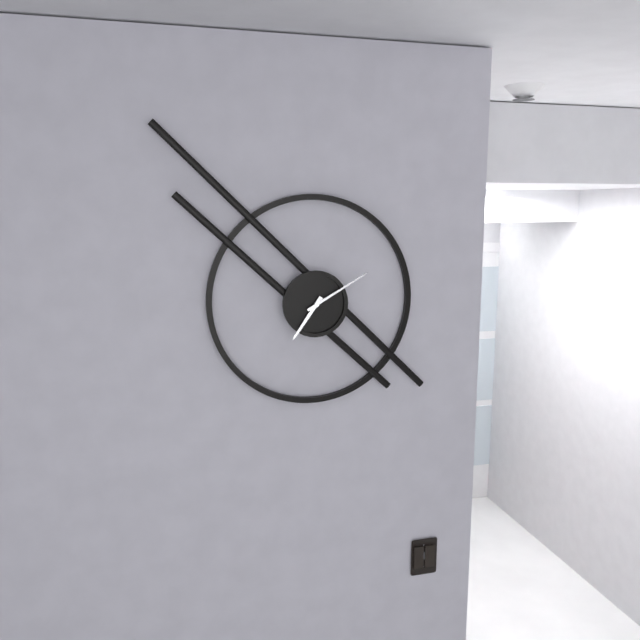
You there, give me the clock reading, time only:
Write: 7:10
